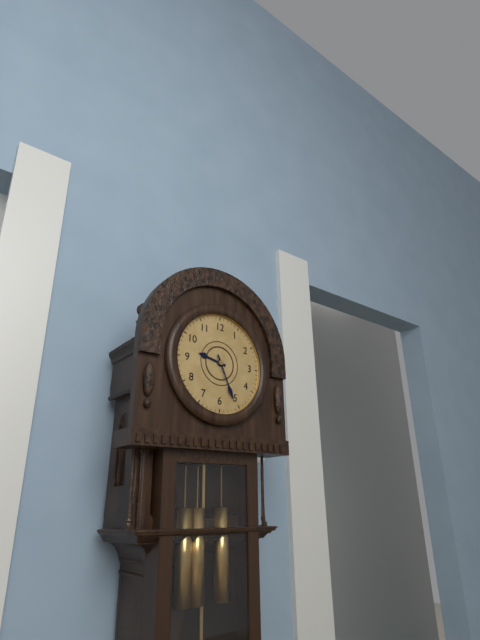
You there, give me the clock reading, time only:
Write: 9:26
